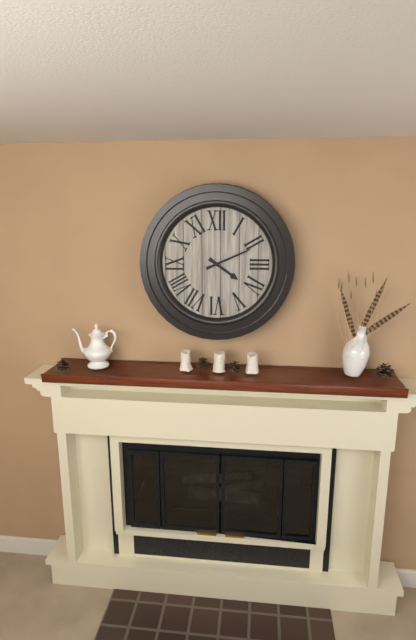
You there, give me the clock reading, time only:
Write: 4:11
